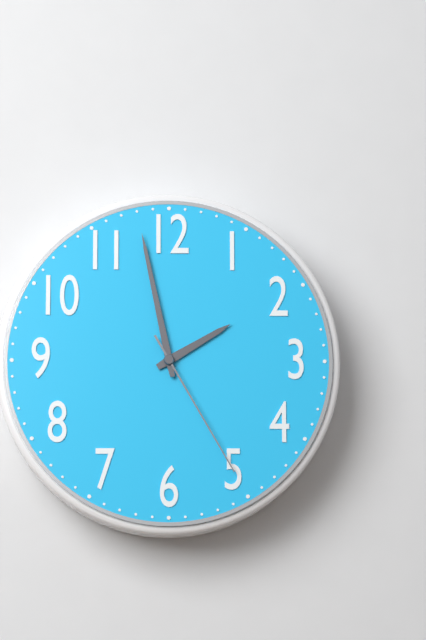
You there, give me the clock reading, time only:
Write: 1:58:25
